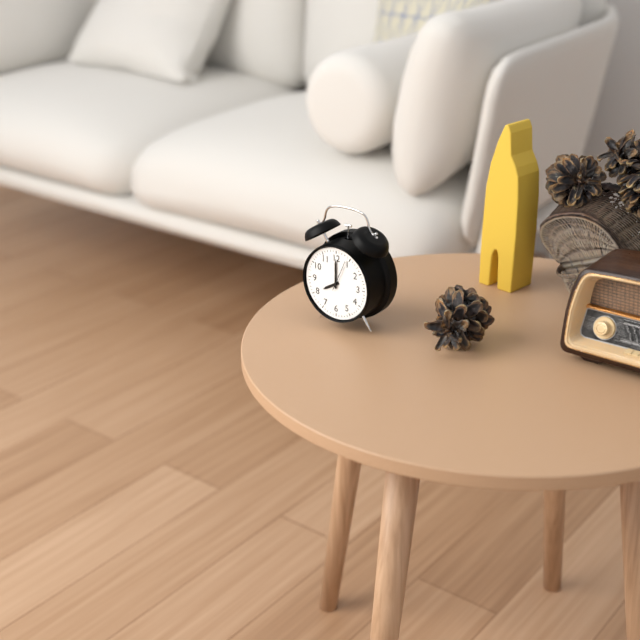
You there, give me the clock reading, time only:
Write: 8:00
